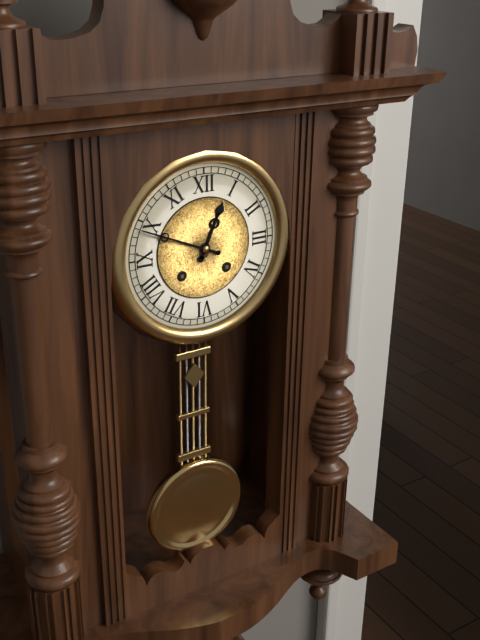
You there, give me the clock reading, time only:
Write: 12:49
